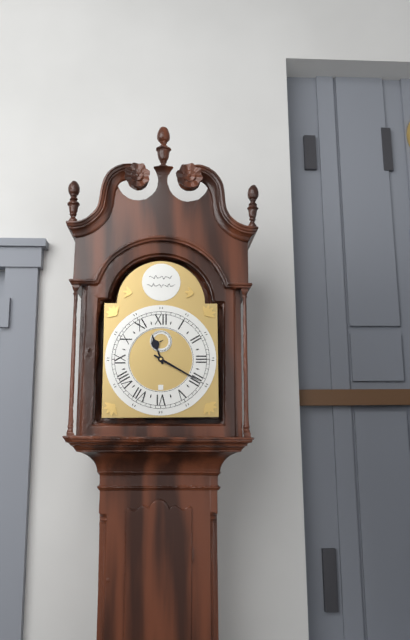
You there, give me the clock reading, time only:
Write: 11:20
